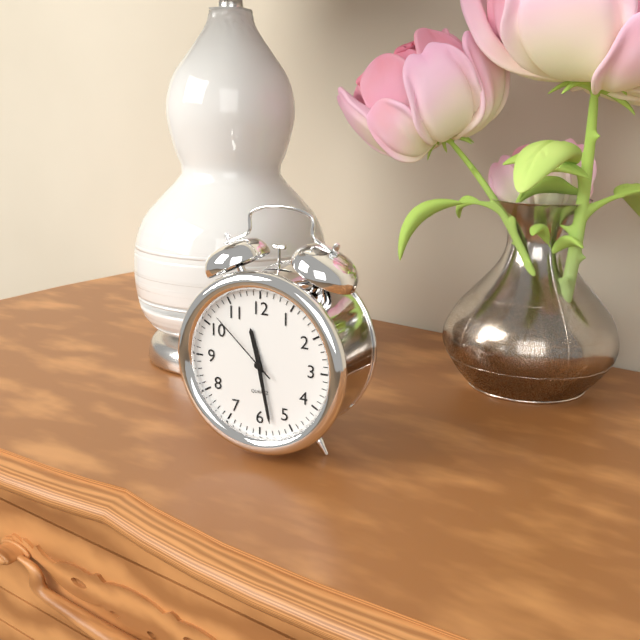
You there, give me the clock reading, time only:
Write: 11:28:52
